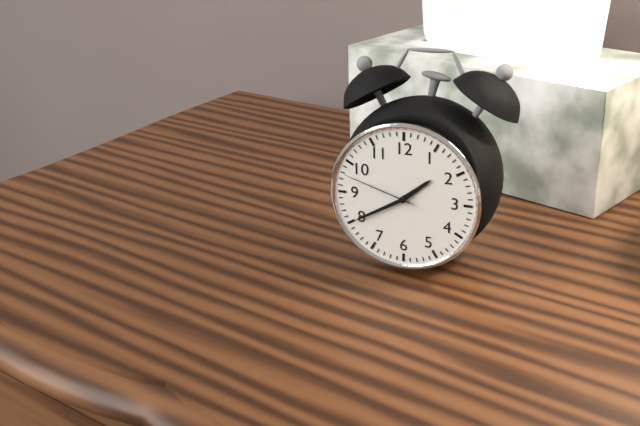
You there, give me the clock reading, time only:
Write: 1:40:48
